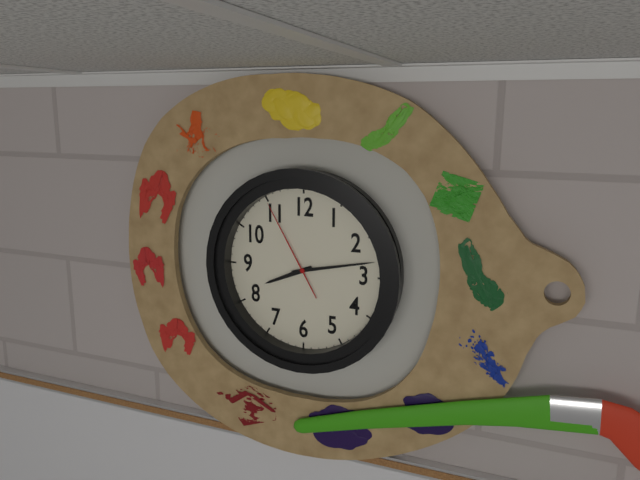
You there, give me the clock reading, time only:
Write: 8:13:55
